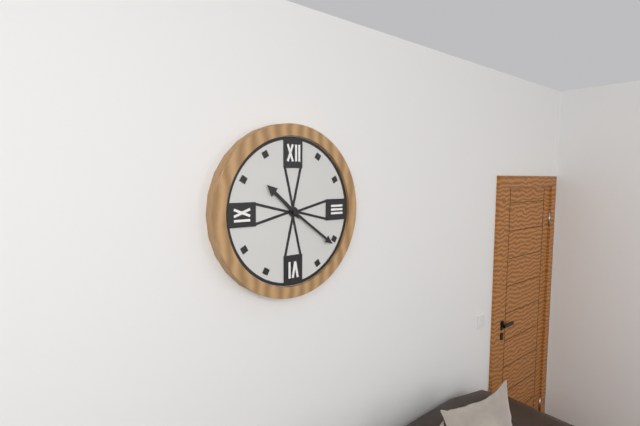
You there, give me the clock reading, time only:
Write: 10:21
